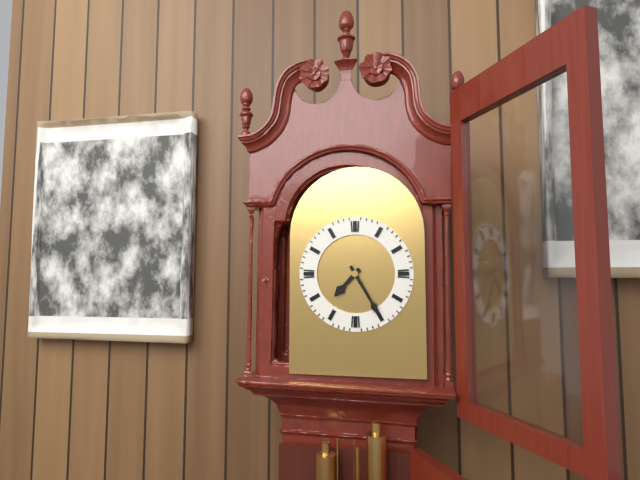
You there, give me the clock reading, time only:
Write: 7:25
